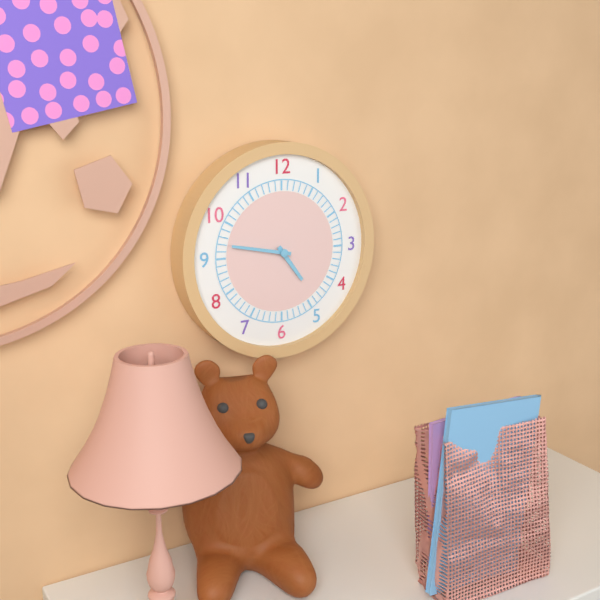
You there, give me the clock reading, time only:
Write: 4:47
